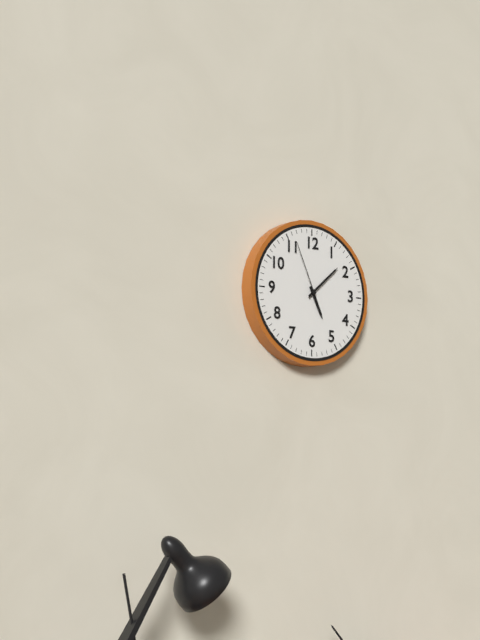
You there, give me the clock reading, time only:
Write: 5:08:56
